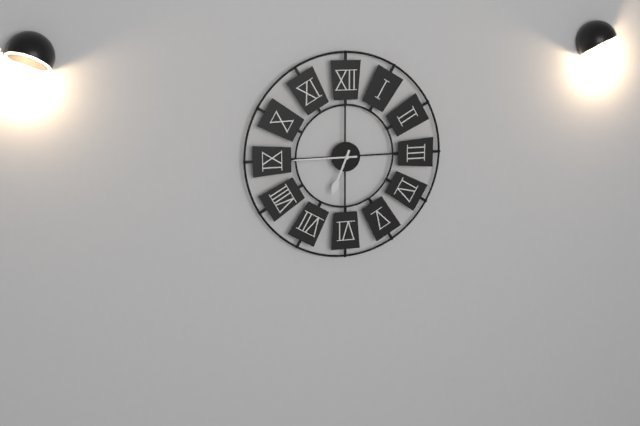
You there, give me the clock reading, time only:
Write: 6:45
